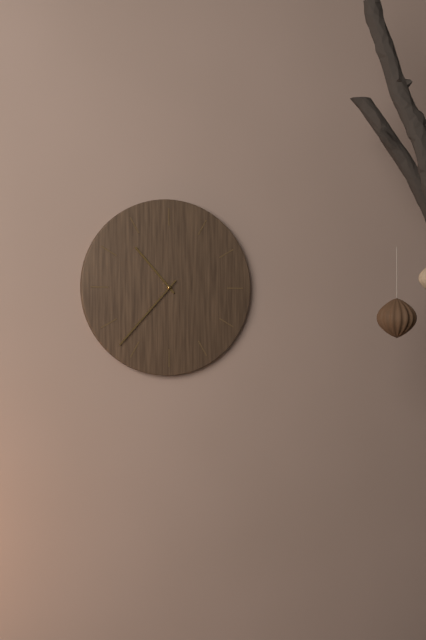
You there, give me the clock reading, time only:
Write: 10:37
